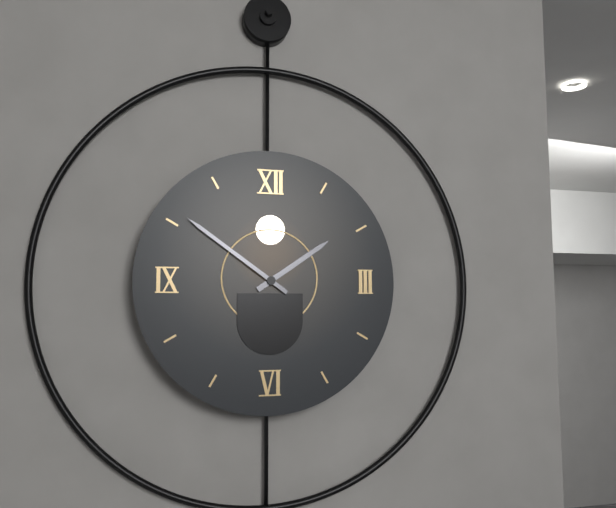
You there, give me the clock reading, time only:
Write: 1:51
